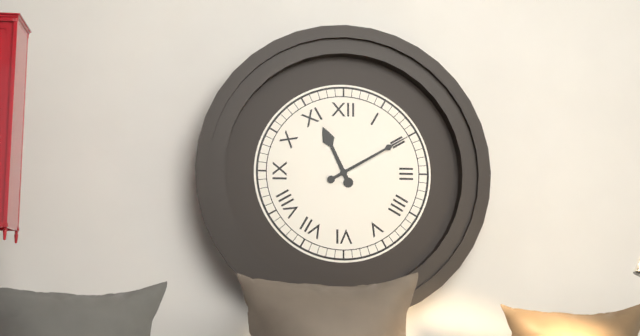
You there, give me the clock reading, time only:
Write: 11:10
